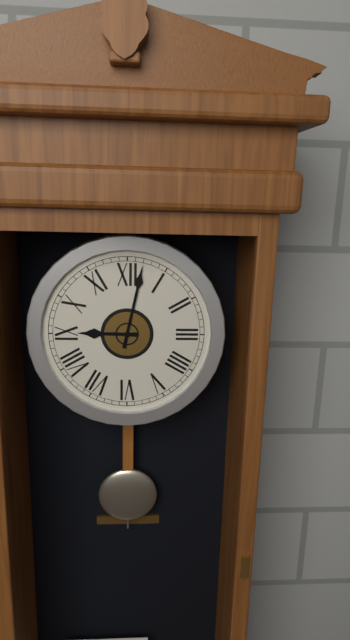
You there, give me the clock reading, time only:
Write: 9:02
